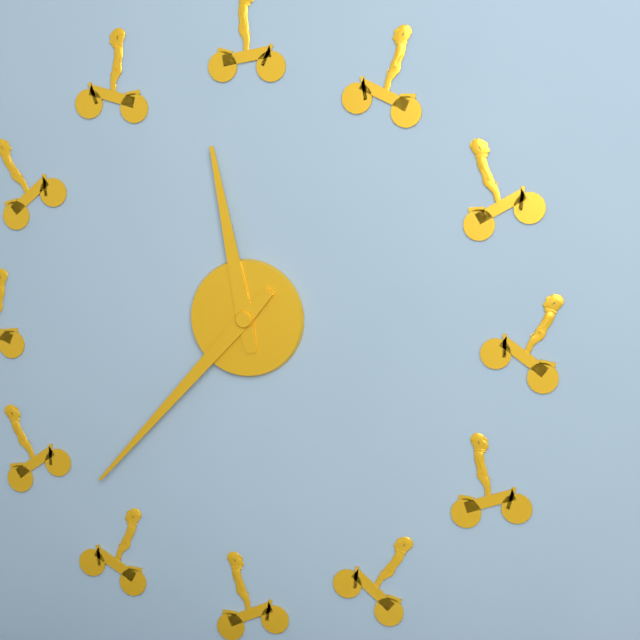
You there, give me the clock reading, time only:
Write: 11:37
